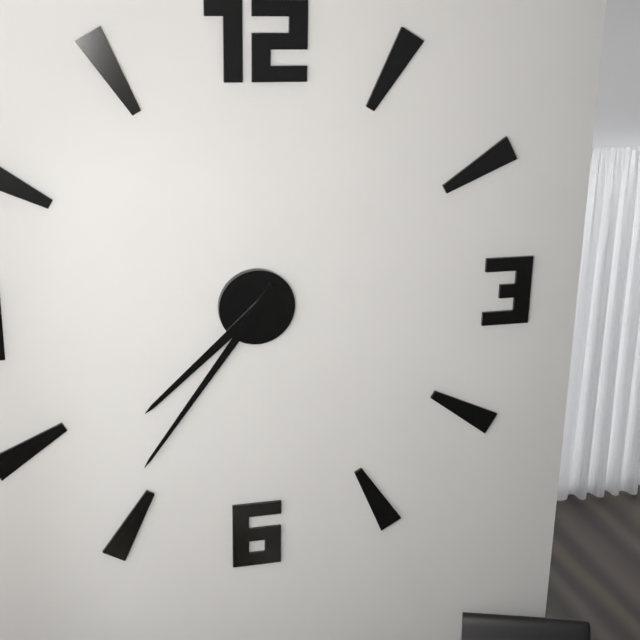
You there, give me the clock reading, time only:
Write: 7:36
